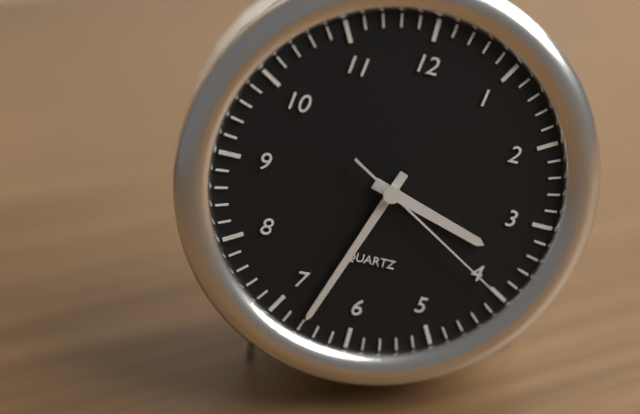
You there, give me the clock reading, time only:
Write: 3:33:20
